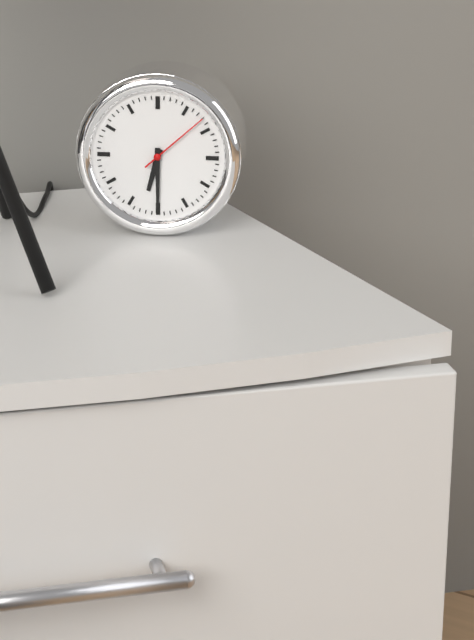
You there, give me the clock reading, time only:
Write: 6:30:08
